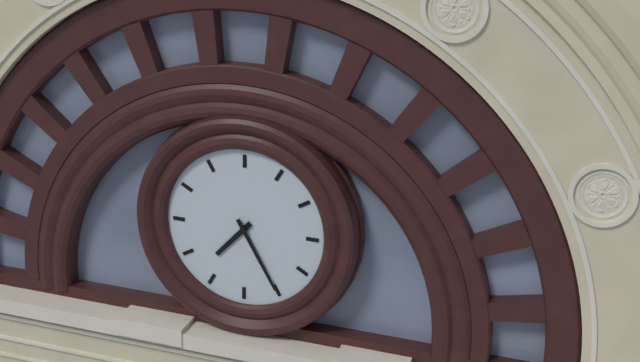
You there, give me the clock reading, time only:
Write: 7:25
